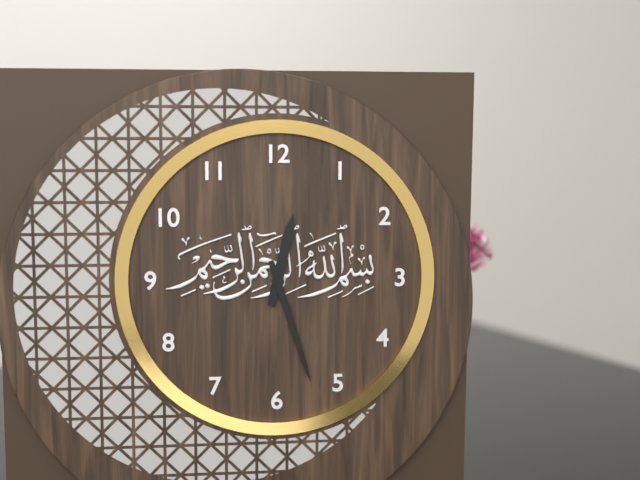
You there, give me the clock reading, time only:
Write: 12:27
